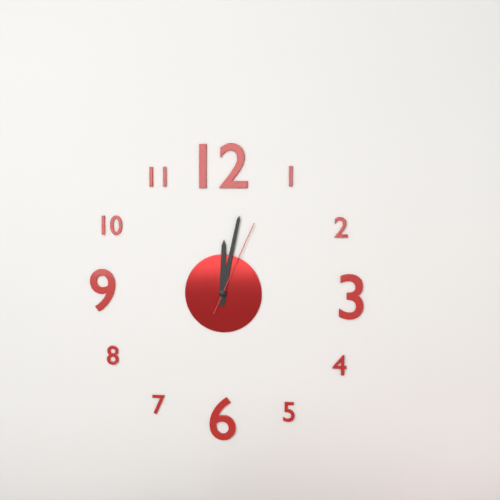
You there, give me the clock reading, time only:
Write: 12:02:04
